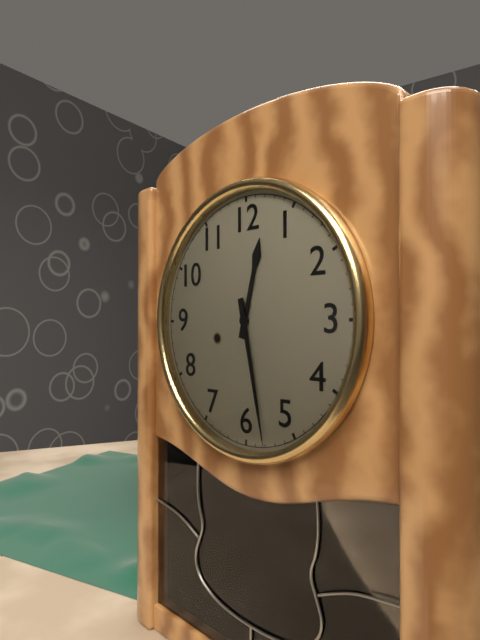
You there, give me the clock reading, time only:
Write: 12:28
